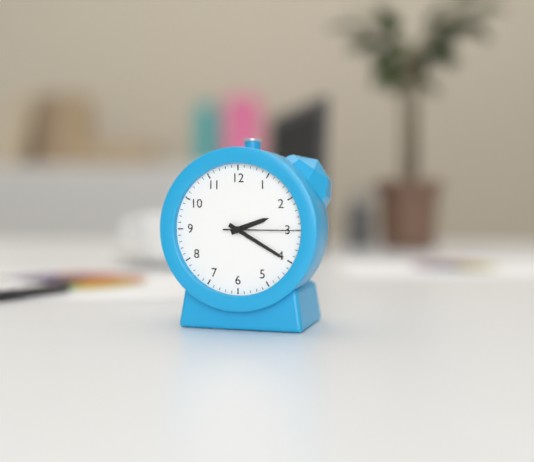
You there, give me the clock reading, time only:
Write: 2:20:15
